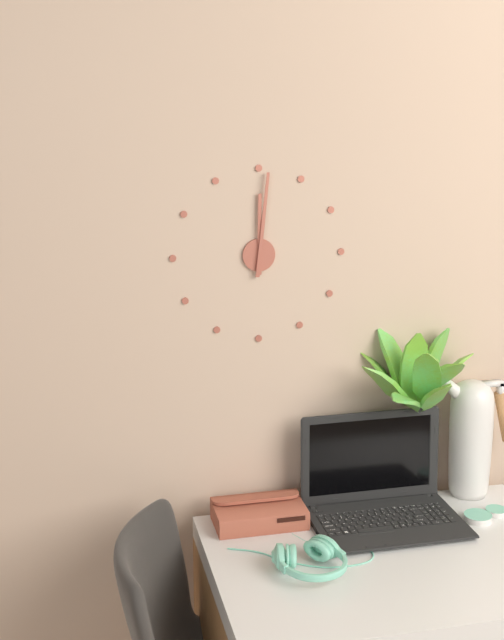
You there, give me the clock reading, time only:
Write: 12:01
